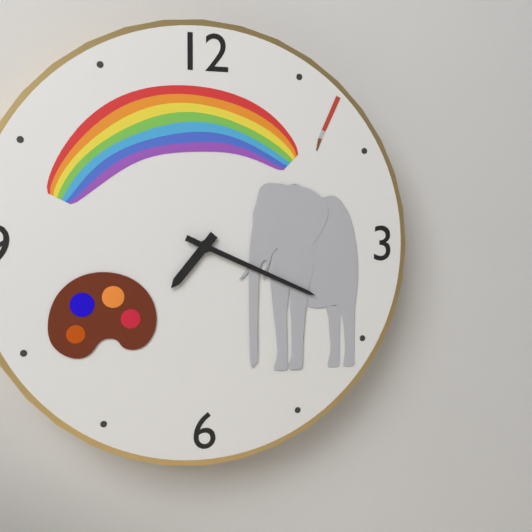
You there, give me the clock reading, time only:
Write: 7:19
